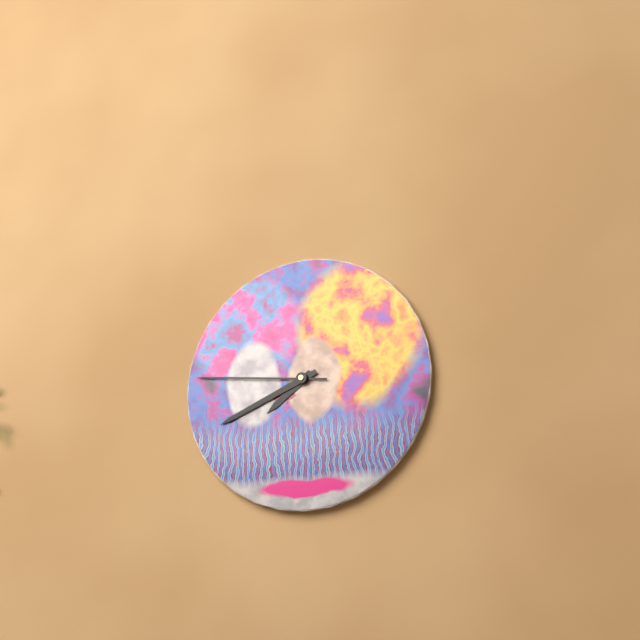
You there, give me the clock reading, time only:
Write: 7:41:46
